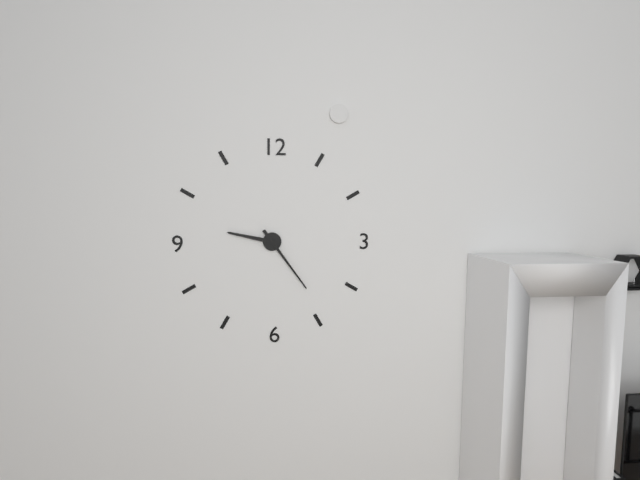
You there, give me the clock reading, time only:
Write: 9:24
